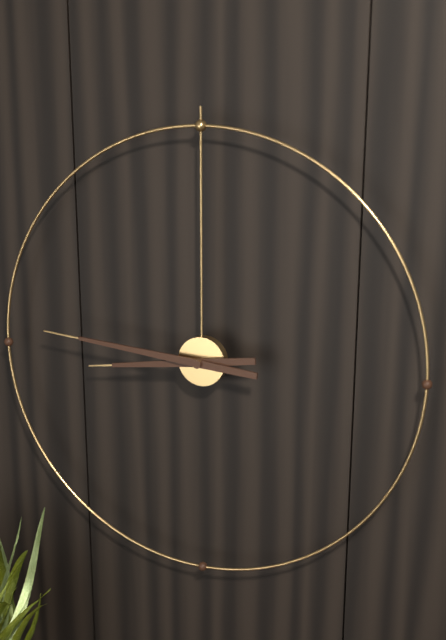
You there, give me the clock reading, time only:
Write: 8:46
